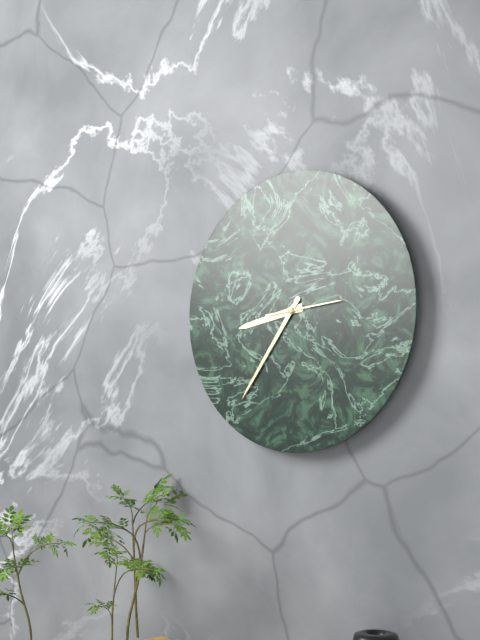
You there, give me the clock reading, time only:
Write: 8:36:14
